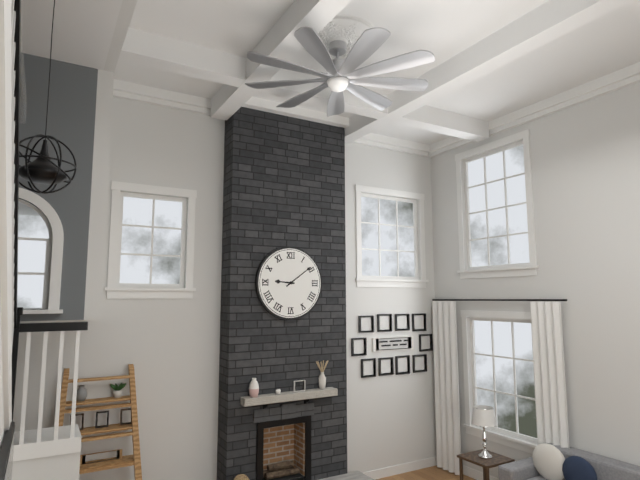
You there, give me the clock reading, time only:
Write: 9:09
